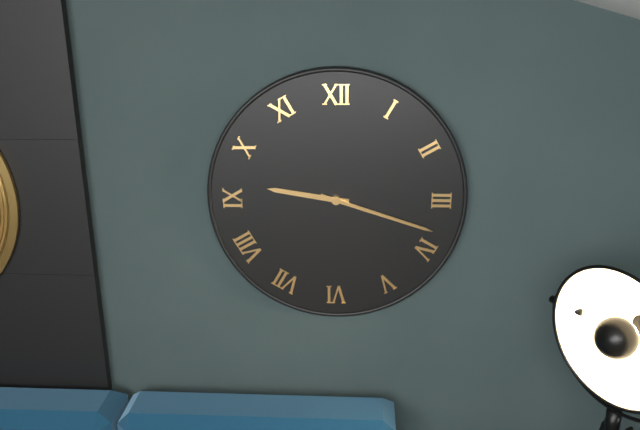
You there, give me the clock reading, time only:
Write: 9:18
